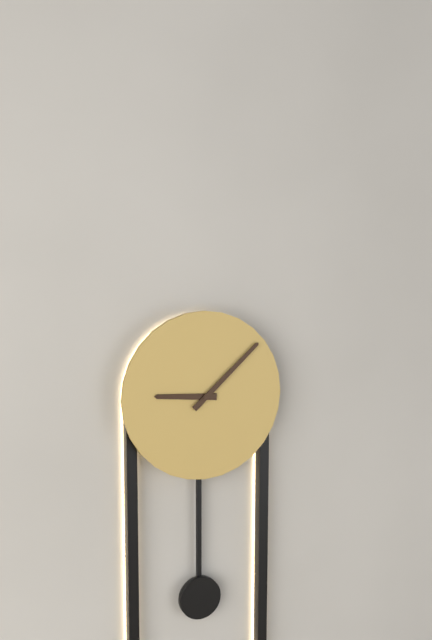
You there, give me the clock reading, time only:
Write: 9:08
